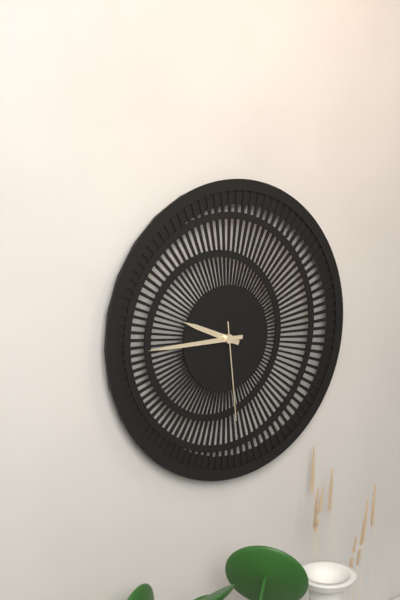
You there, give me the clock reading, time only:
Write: 9:45:29
